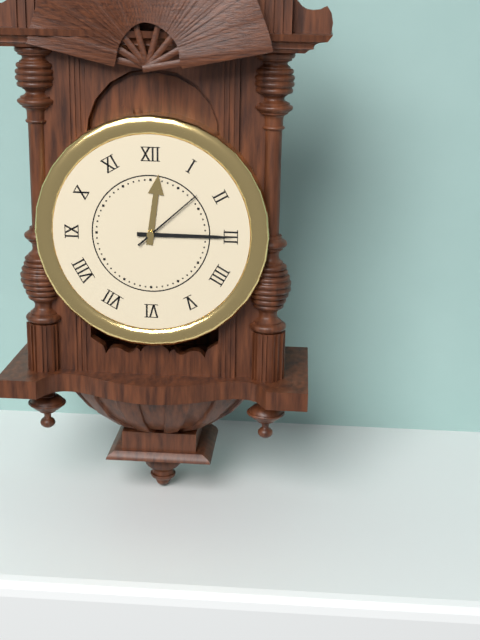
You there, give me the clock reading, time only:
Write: 12:15:08
